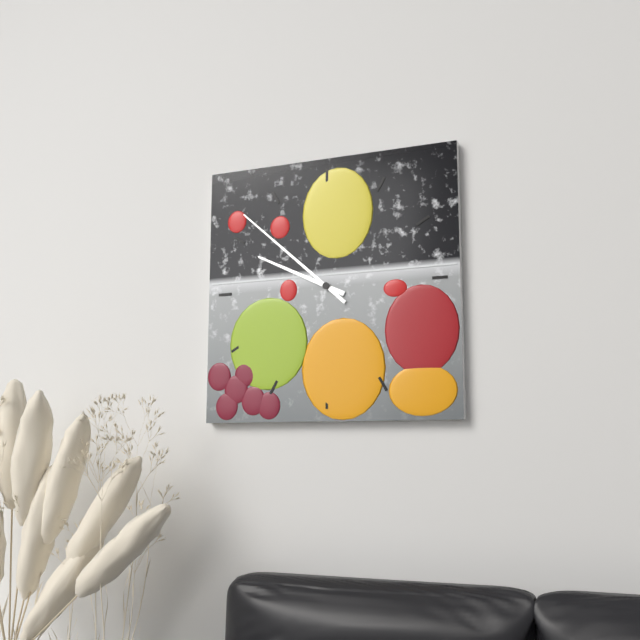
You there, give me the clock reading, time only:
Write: 9:52
